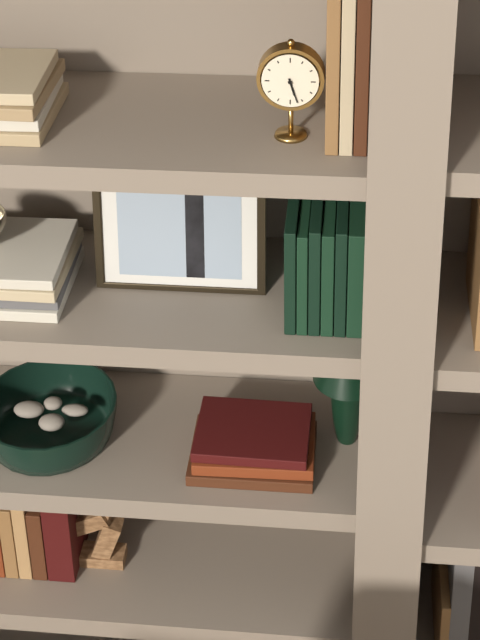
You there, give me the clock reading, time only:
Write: 5:27
